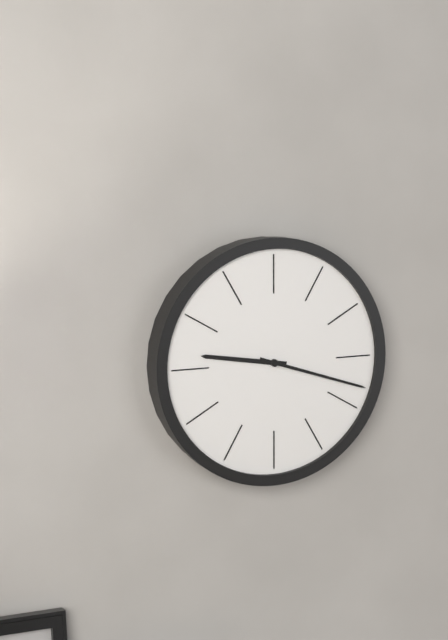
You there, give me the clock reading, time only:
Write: 9:18
